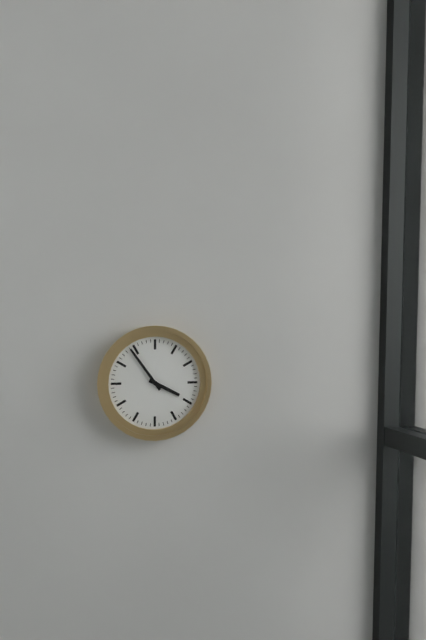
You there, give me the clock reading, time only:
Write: 3:54
